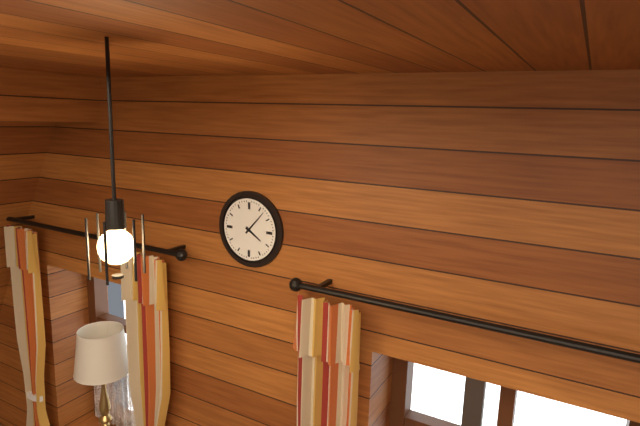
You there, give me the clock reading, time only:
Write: 4:07
